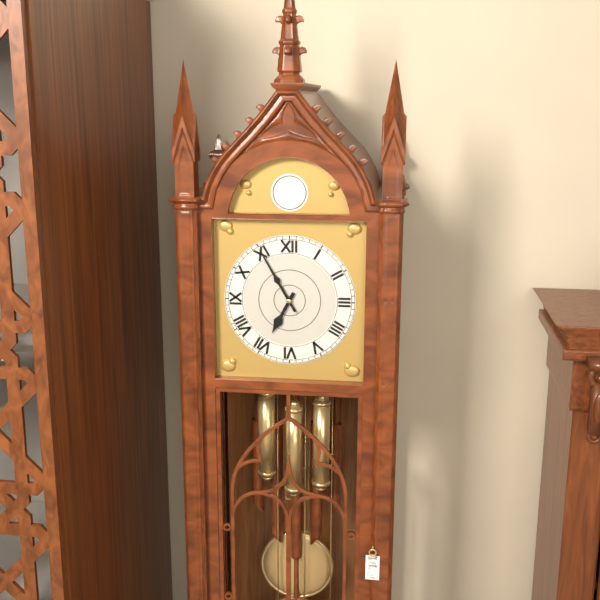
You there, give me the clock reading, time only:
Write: 6:55
